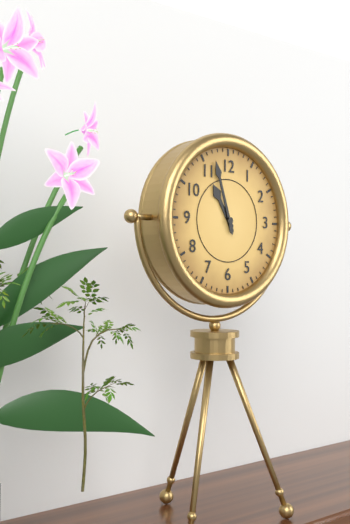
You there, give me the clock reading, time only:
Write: 10:57
